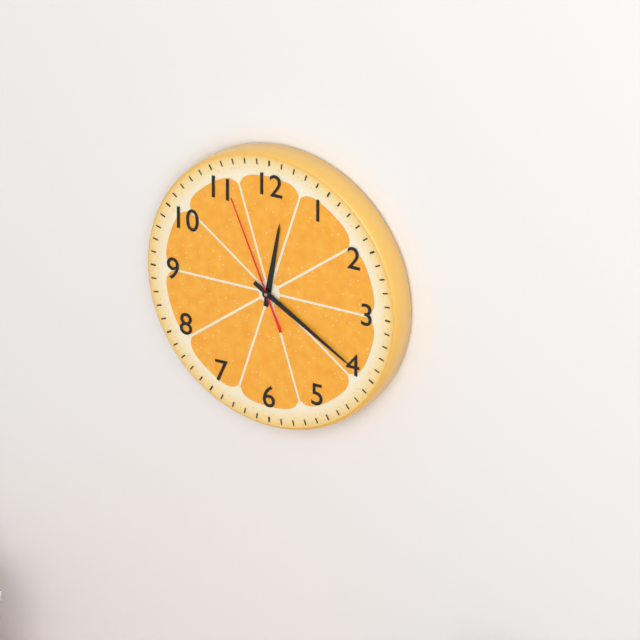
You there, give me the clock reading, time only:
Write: 12:20:56
